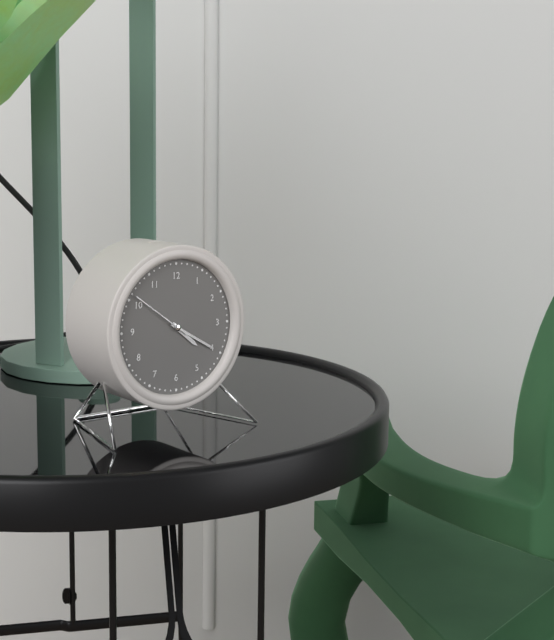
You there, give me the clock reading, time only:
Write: 4:20:51
